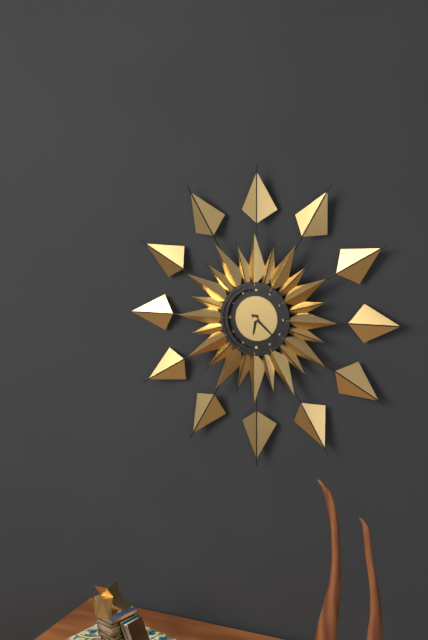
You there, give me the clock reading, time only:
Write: 6:22
